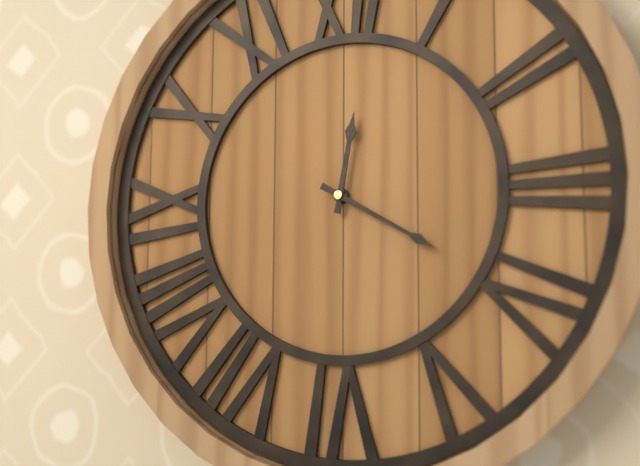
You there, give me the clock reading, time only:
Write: 12:20
